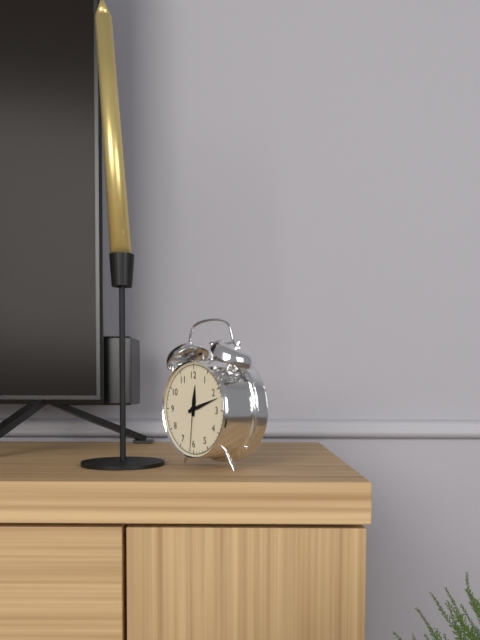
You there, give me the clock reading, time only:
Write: 12:12:31
